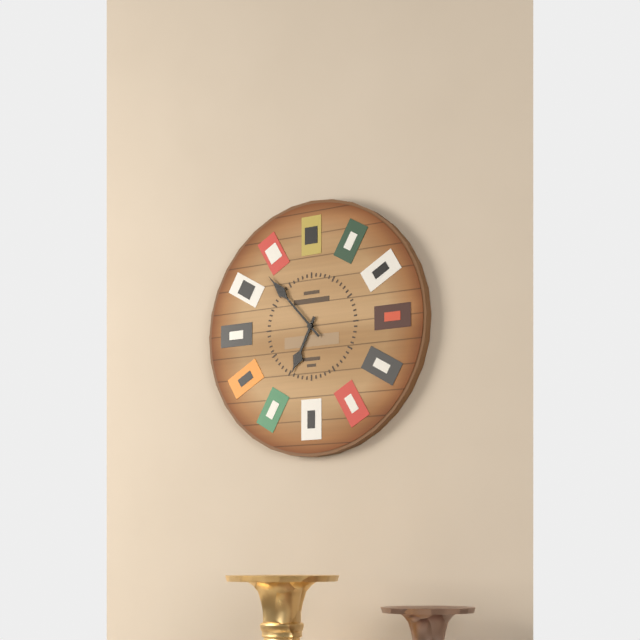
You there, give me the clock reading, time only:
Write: 6:53
